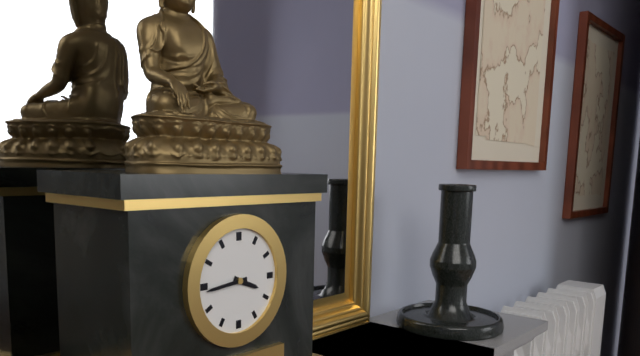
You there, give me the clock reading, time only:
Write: 3:44
